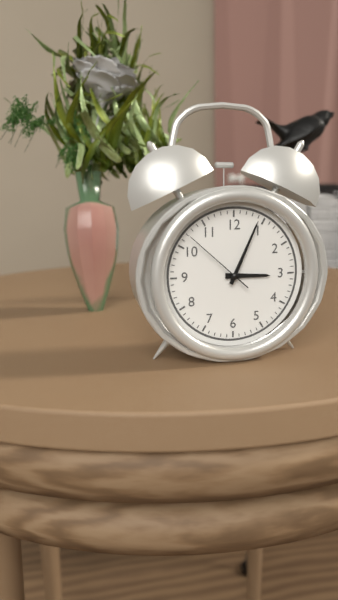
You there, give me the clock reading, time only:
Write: 3:04:52
